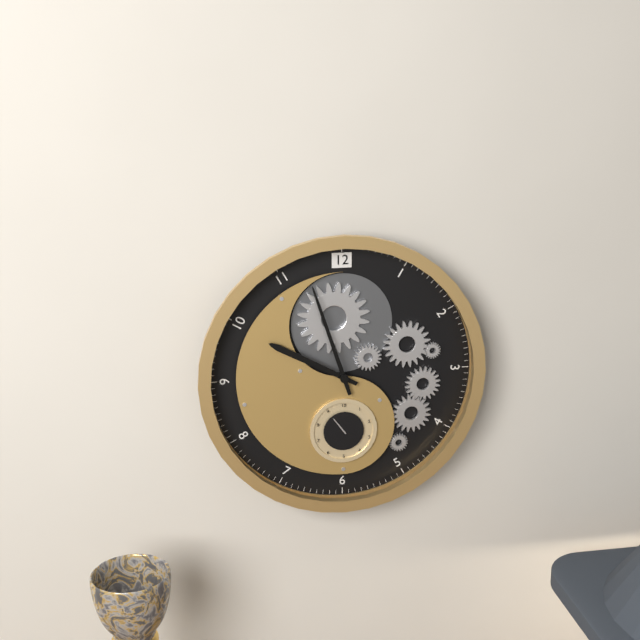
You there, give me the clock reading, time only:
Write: 9:57
